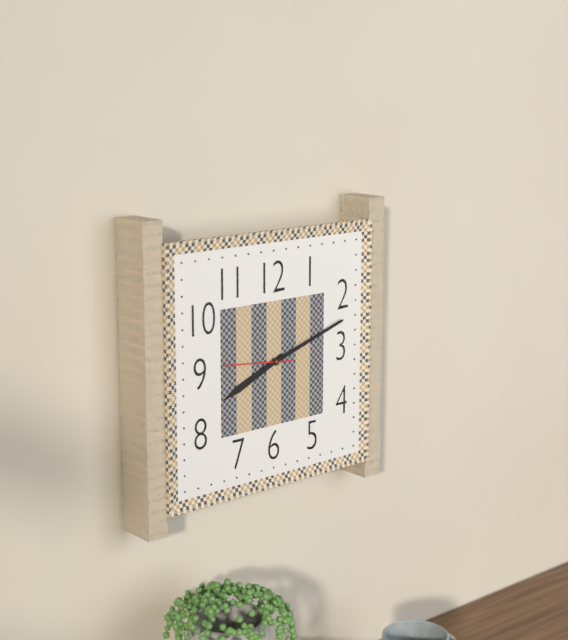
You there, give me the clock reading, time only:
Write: 8:12:46
